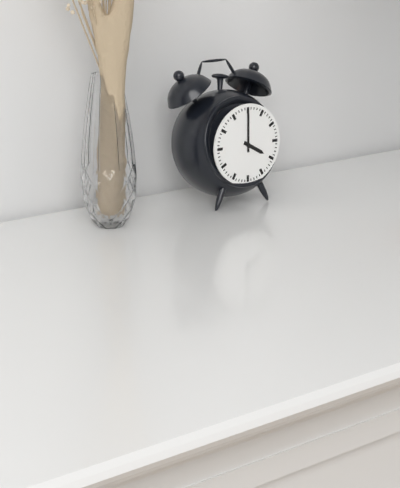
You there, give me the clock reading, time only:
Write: 4:00
